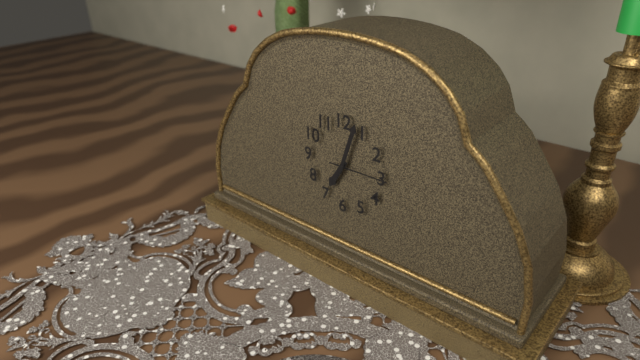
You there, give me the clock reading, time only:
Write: 7:03:15
